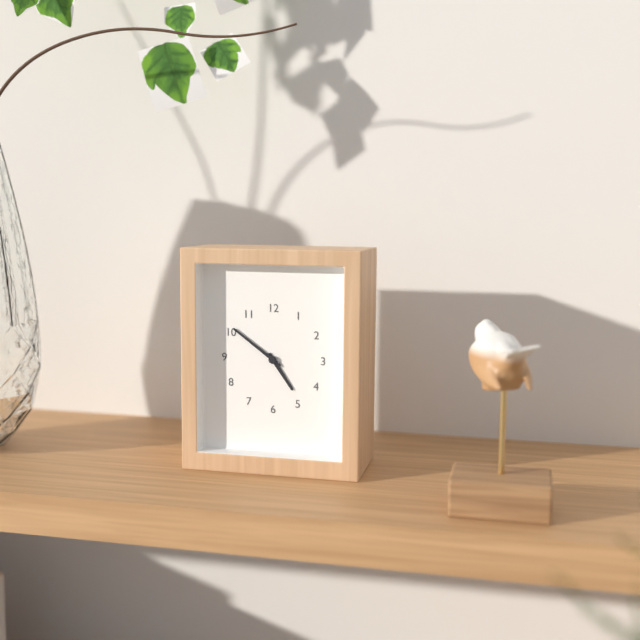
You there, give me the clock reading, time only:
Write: 4:51
